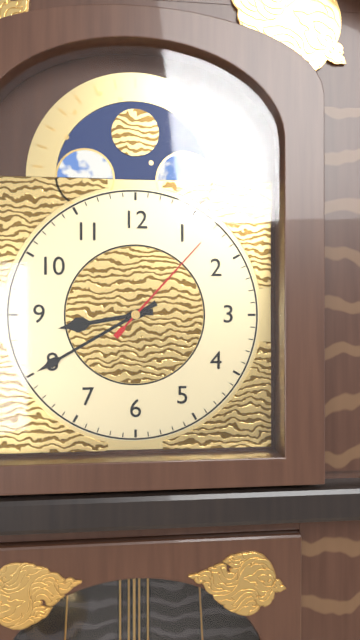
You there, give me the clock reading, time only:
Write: 8:40:07
